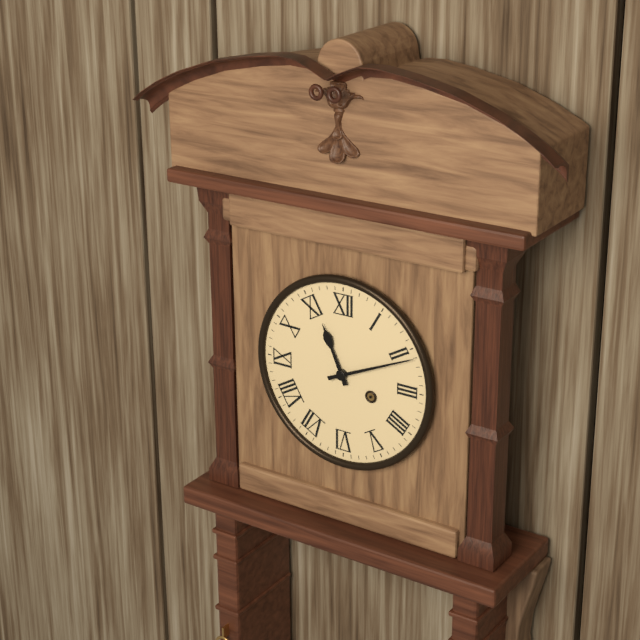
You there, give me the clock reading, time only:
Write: 11:11
